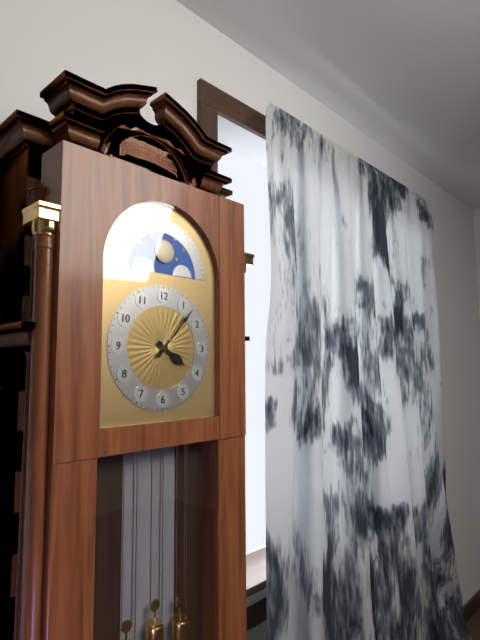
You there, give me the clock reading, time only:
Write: 4:07
